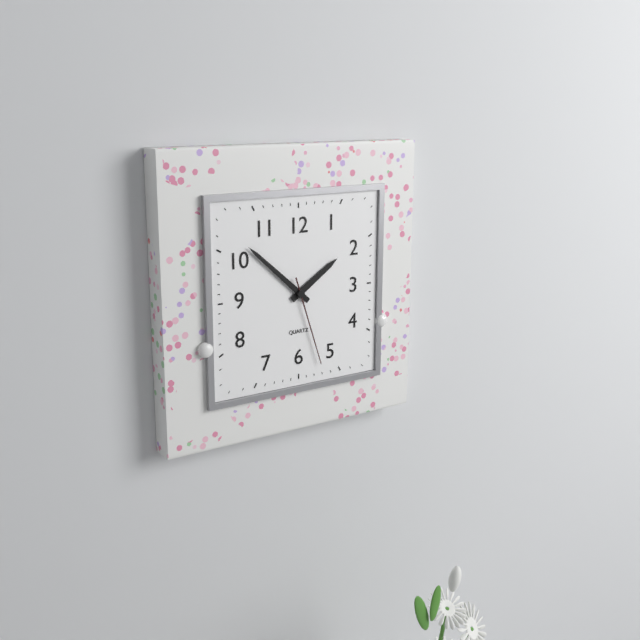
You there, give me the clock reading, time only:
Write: 1:52:27
